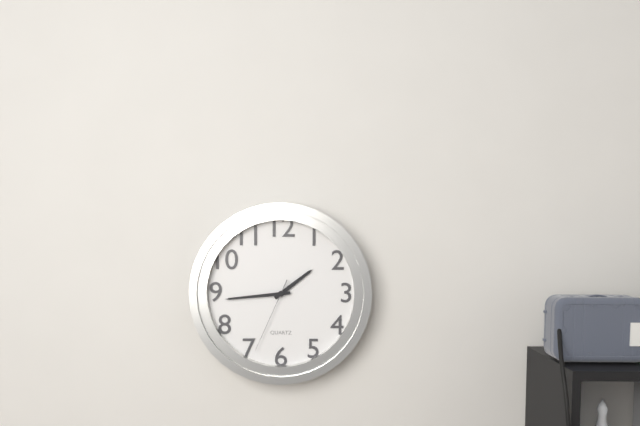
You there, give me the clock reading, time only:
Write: 1:44:34
